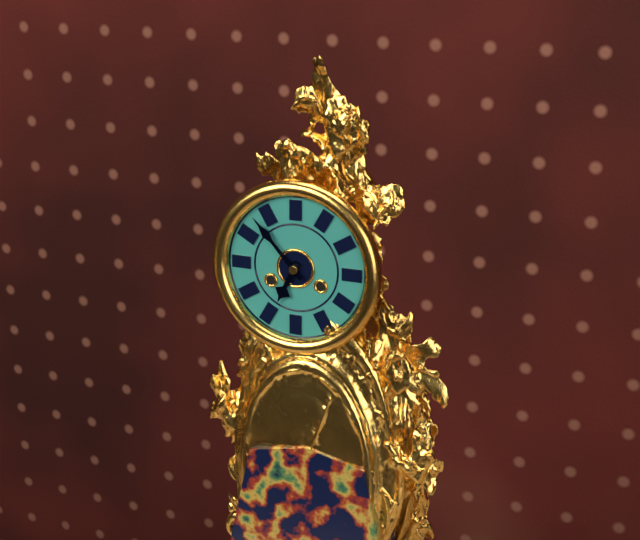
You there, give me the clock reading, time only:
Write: 6:53
